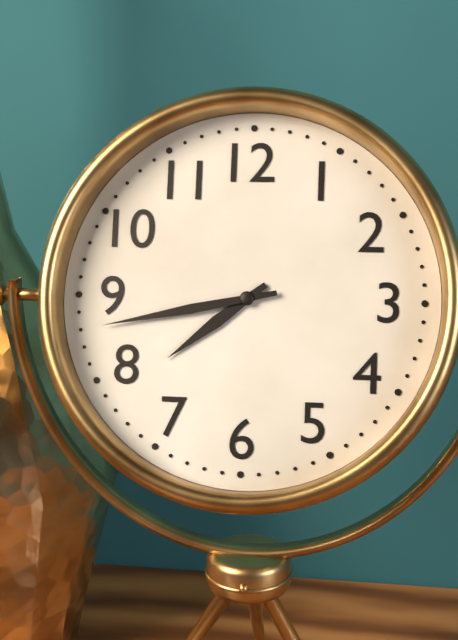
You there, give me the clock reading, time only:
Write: 7:43
